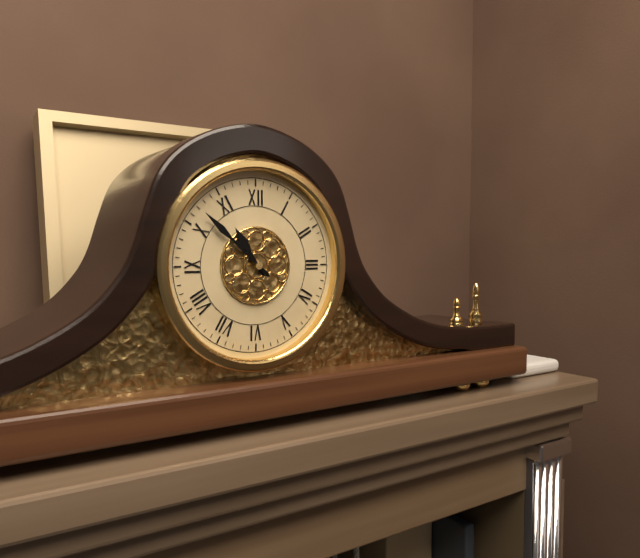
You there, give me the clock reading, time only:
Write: 10:52
